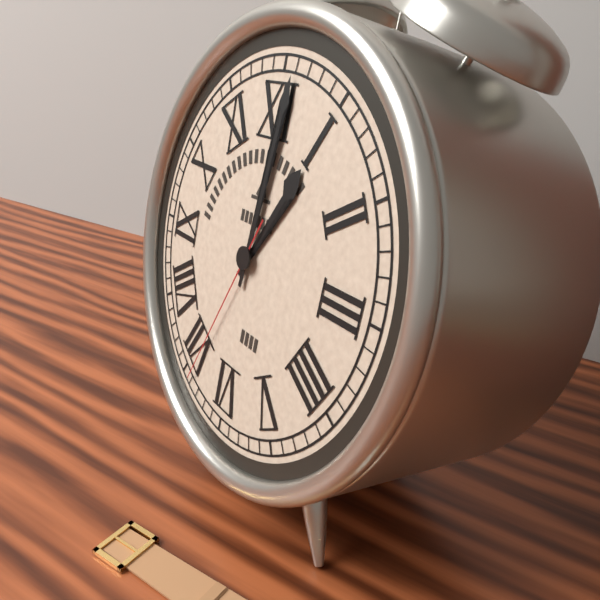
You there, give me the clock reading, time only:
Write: 1:01:34
